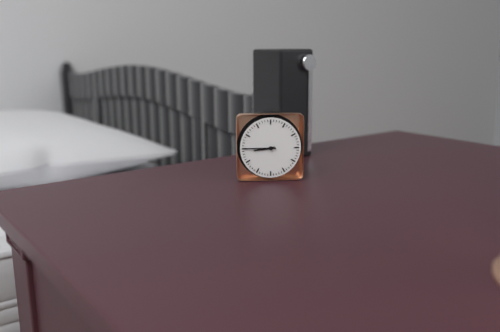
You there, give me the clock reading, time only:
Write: 8:45
